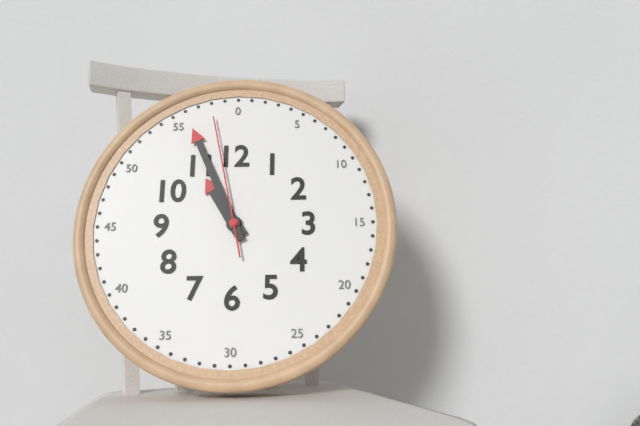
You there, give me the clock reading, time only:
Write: 10:56:58
